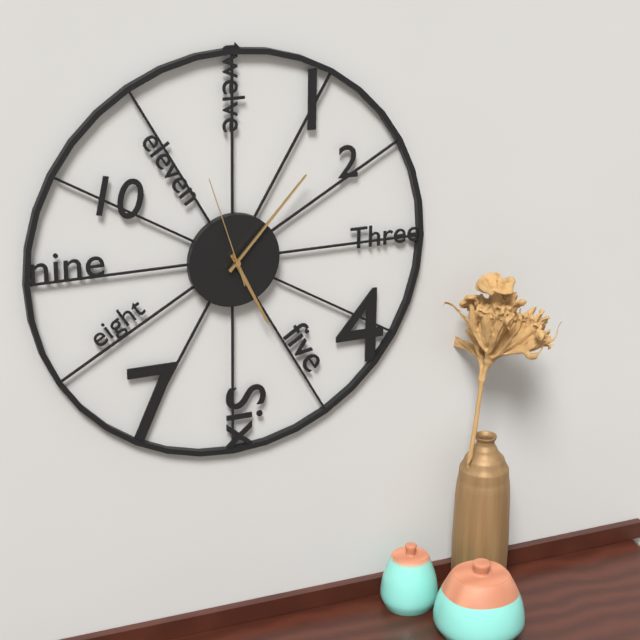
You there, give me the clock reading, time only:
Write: 5:07:57
